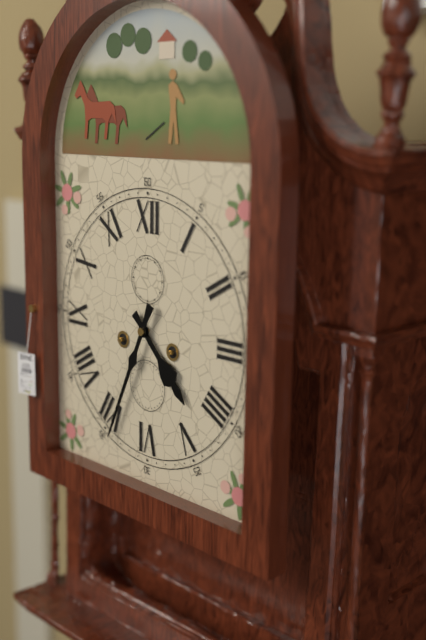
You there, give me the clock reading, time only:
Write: 4:34
